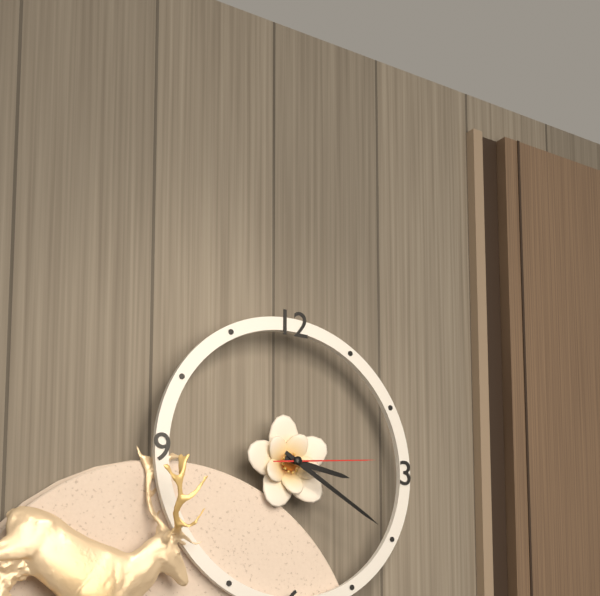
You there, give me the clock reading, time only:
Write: 3:20:14
